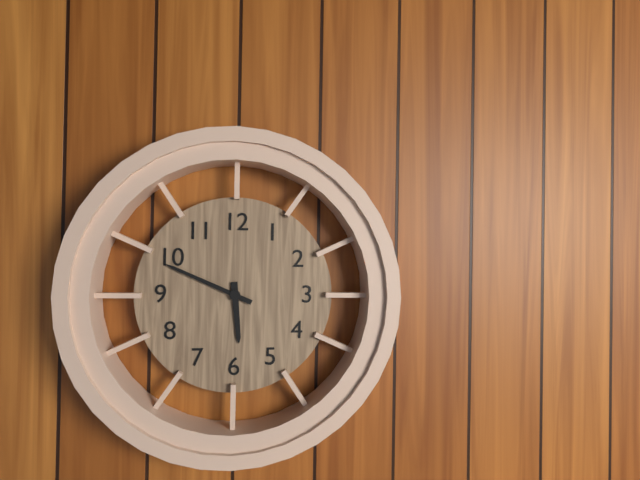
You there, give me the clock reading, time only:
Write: 5:49
